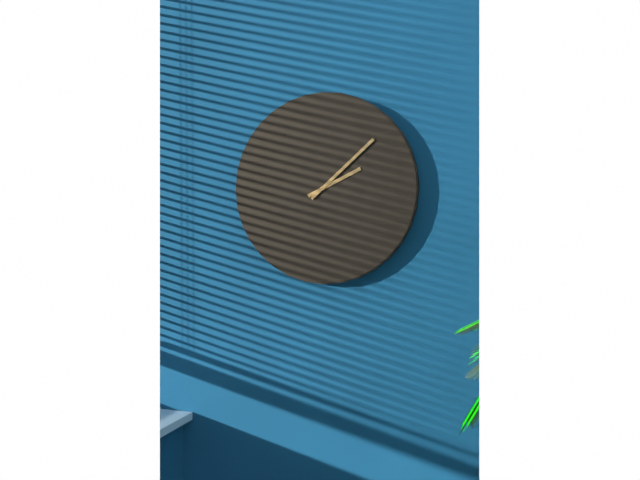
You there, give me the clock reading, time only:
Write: 2:08
